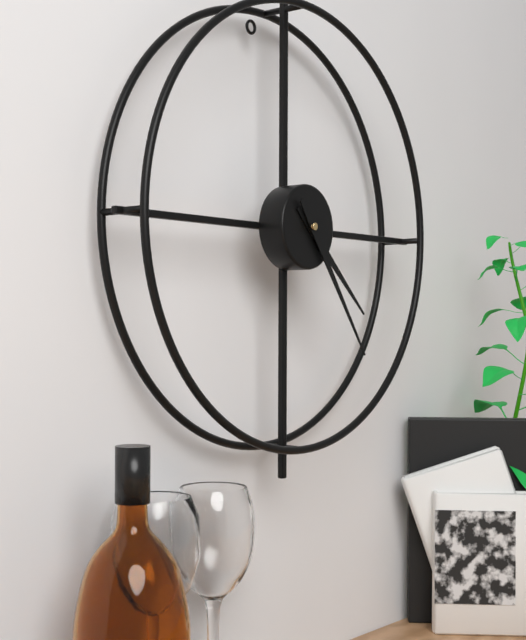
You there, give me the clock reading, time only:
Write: 4:24
